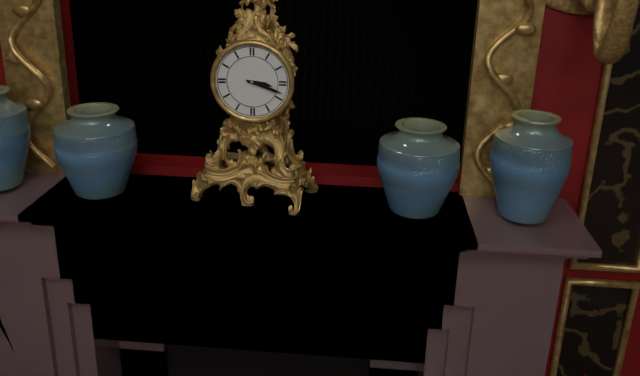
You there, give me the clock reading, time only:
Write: 3:18
